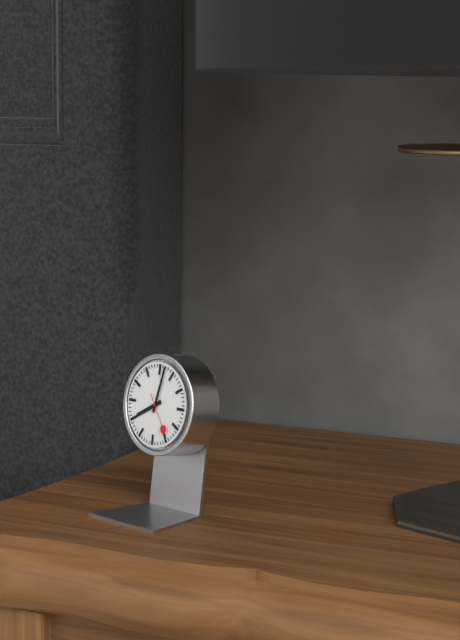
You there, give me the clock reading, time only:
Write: 8:02
